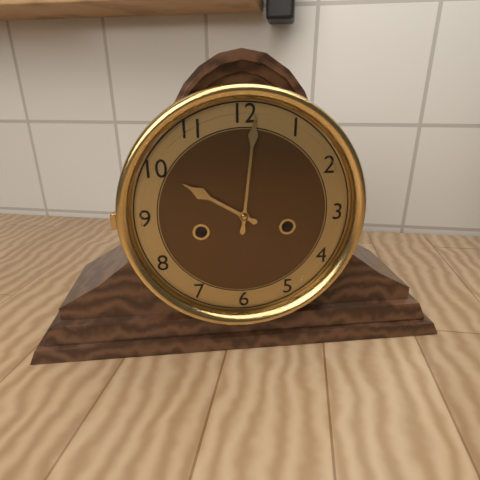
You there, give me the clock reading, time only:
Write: 10:01
